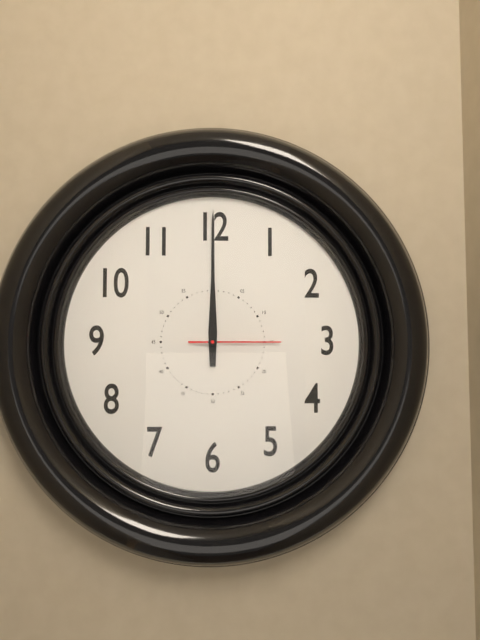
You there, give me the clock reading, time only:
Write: 12:00:15
